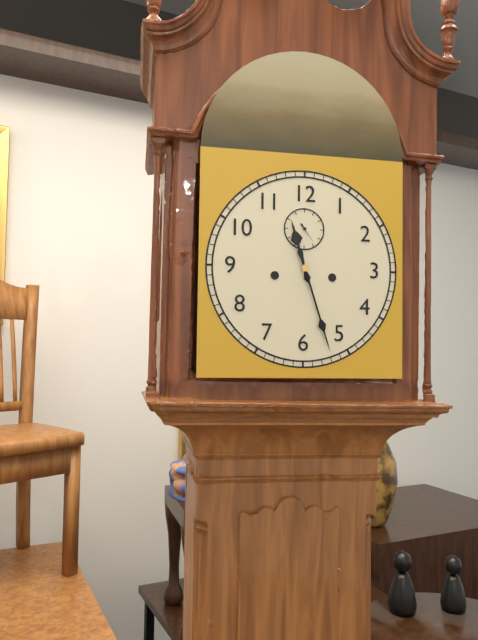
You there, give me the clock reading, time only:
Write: 11:27
